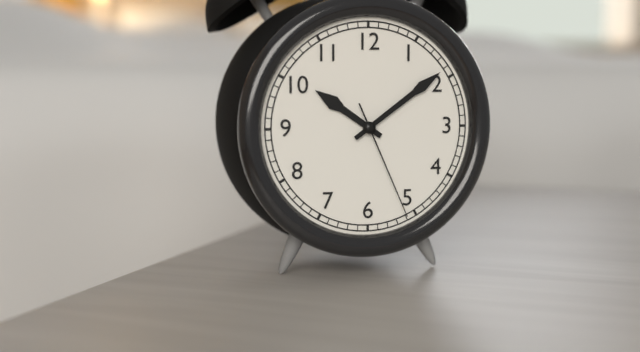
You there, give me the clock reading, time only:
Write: 10:09:26
